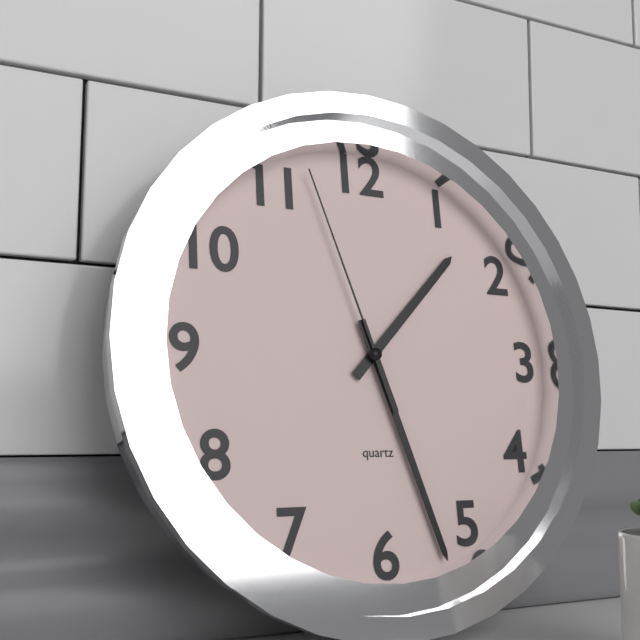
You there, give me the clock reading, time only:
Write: 1:27:57
